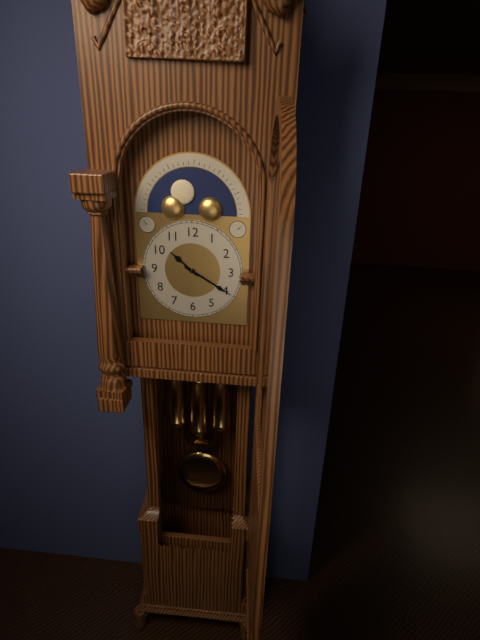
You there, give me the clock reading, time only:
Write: 10:20
